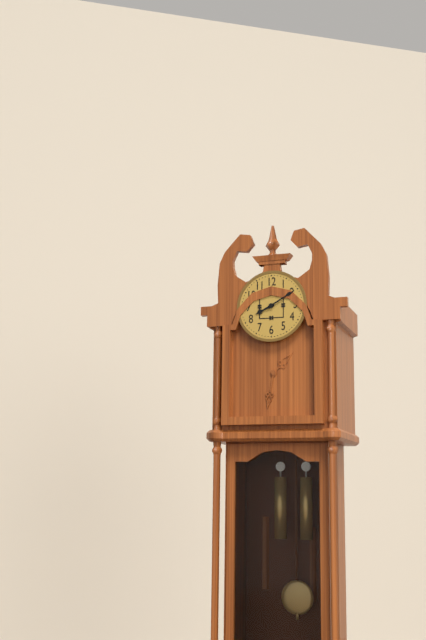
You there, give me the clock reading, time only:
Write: 8:10
